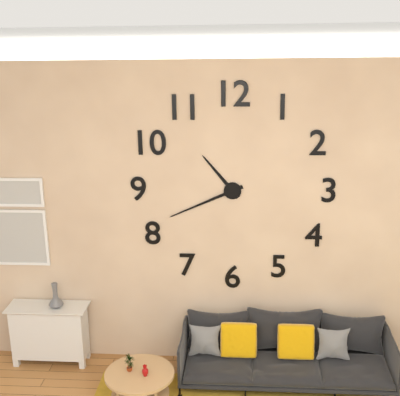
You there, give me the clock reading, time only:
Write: 10:41
